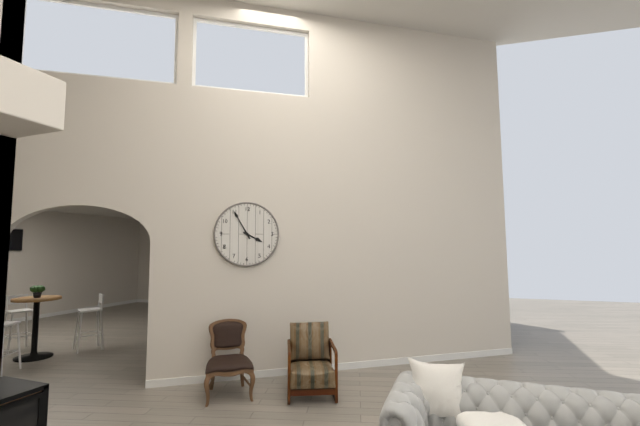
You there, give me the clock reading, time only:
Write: 3:55
